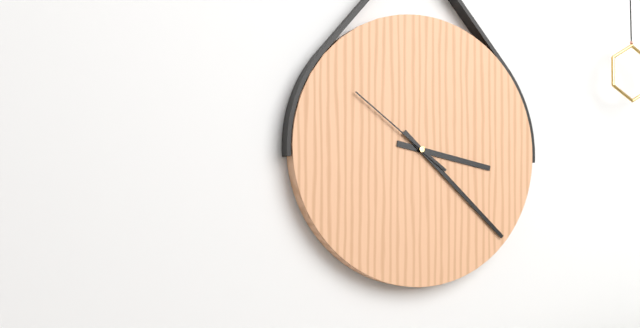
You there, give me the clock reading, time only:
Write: 3:22:51
